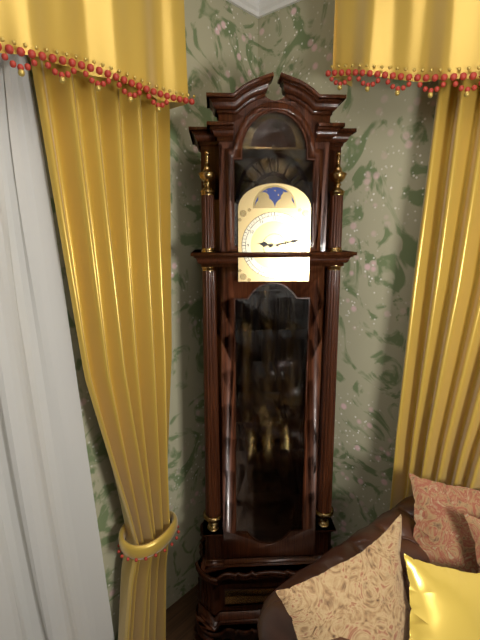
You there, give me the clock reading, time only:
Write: 9:13
